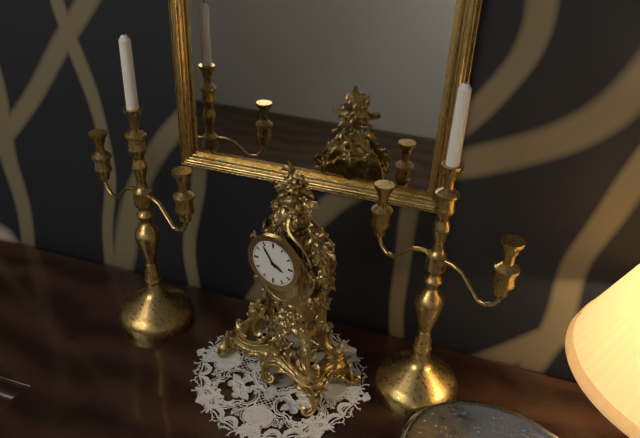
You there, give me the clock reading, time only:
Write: 3:54
